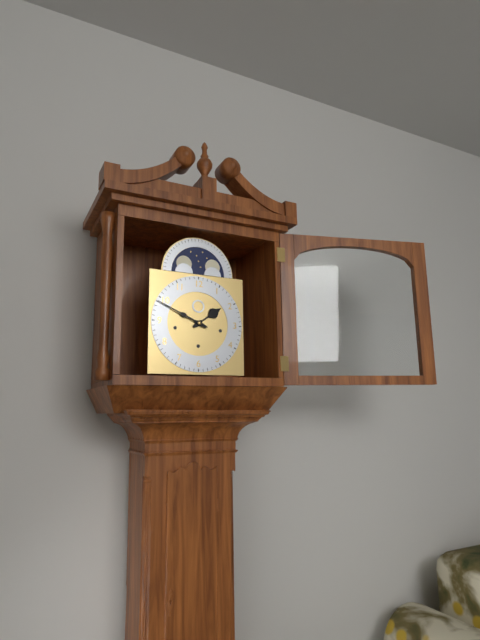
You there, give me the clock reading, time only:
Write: 1:49
